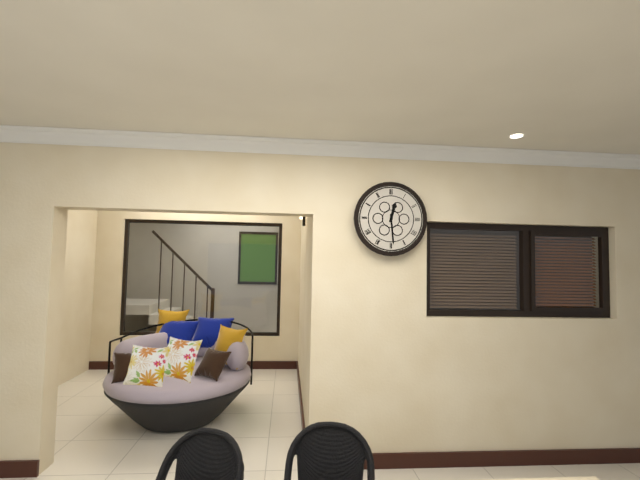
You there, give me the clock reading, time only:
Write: 12:29
